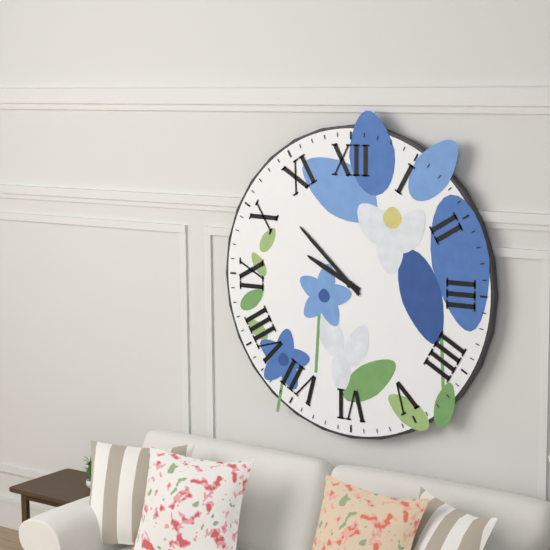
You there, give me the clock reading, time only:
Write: 9:52
